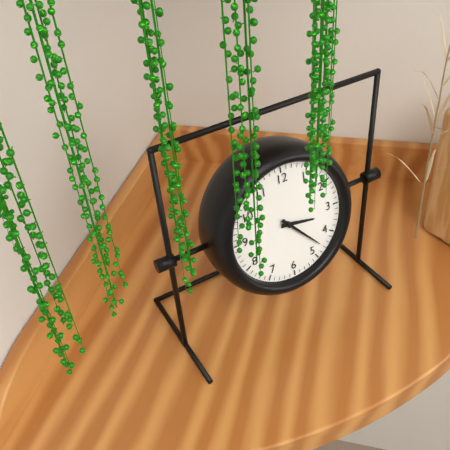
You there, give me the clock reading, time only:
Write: 3:23
